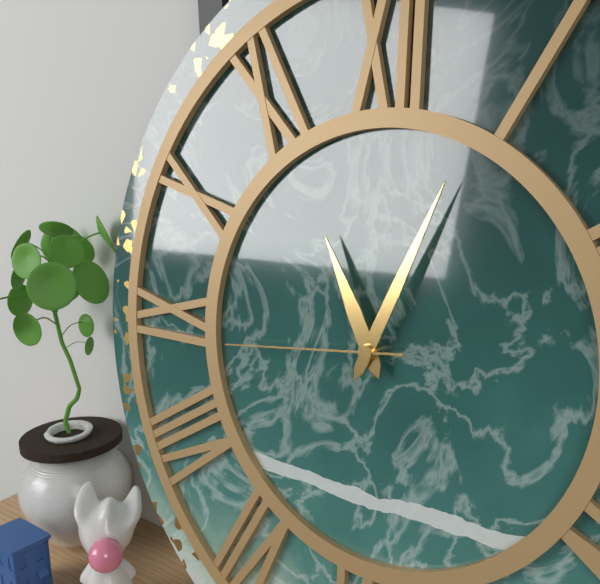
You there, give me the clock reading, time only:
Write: 11:04:44
